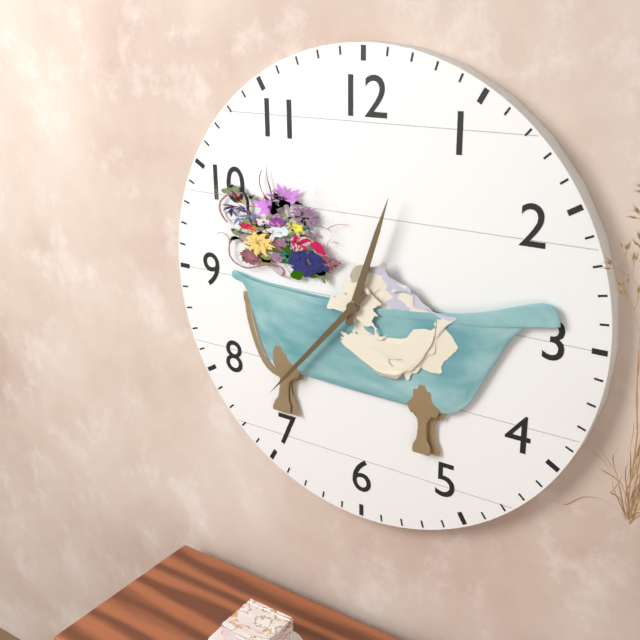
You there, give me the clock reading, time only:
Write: 12:37
